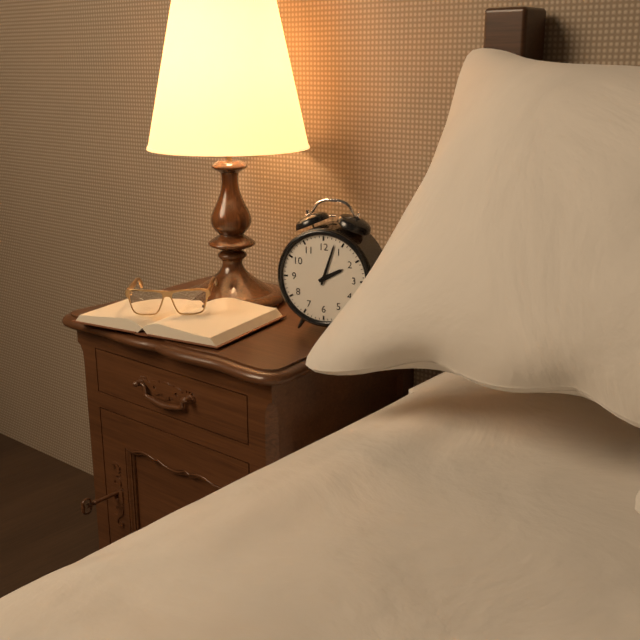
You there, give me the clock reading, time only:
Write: 2:03
